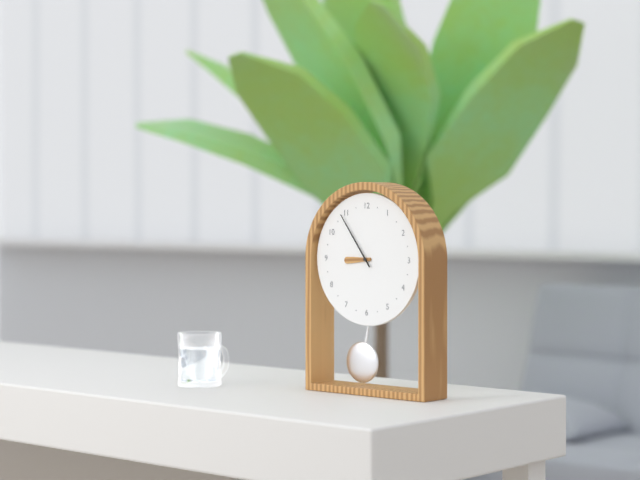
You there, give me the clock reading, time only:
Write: 8:54
